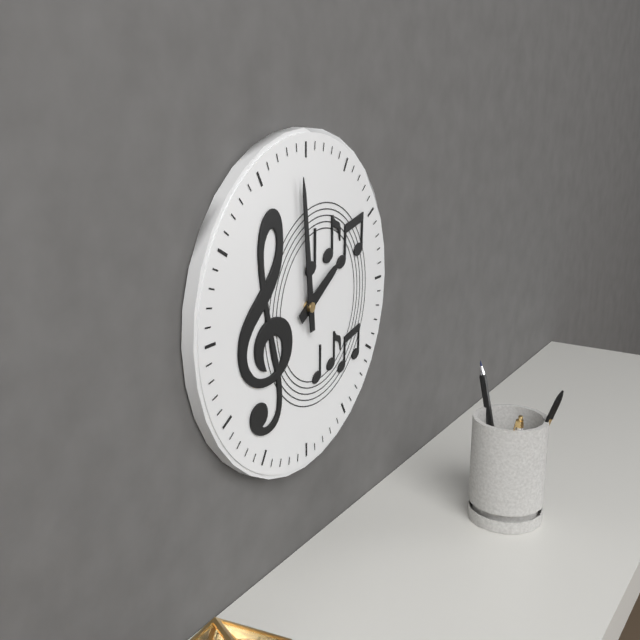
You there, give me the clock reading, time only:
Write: 1:59
